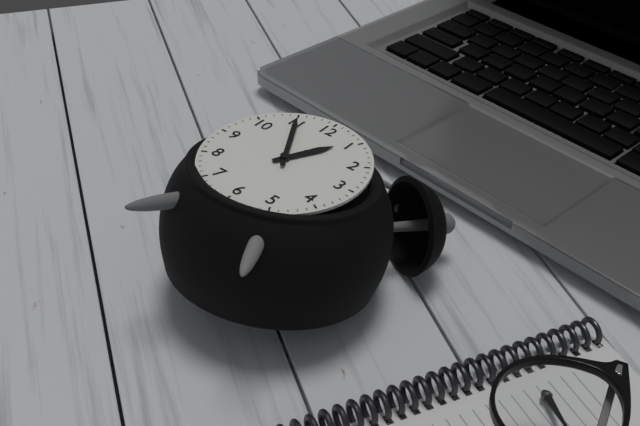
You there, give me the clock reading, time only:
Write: 12:55
